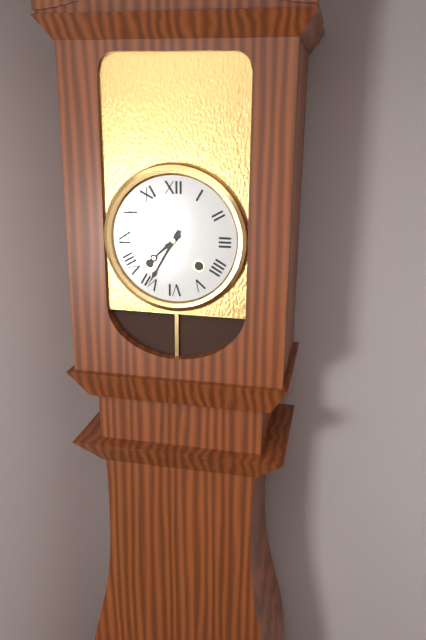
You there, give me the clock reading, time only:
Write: 7:35
